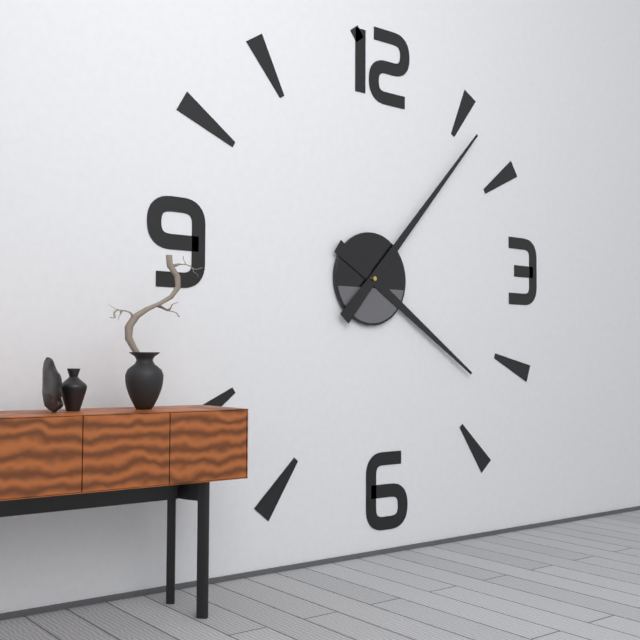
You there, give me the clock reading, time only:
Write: 4:07
